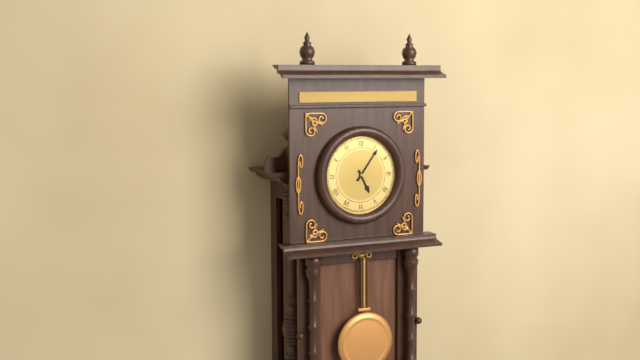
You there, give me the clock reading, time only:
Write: 5:06
